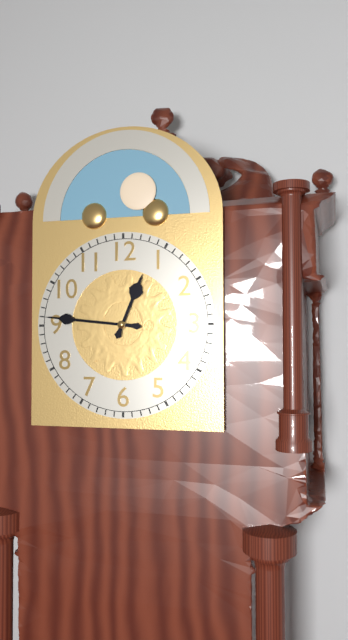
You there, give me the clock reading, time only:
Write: 12:46
